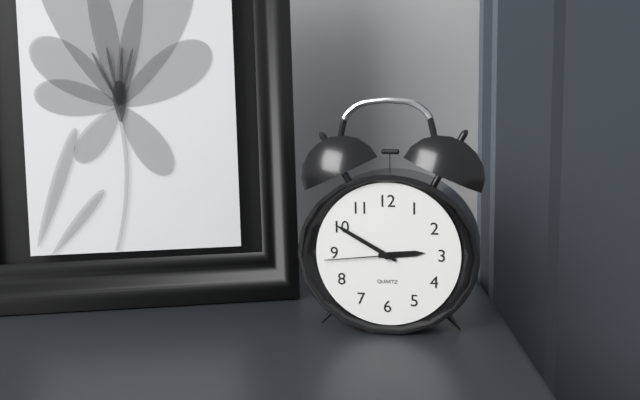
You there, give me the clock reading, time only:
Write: 2:50:44
